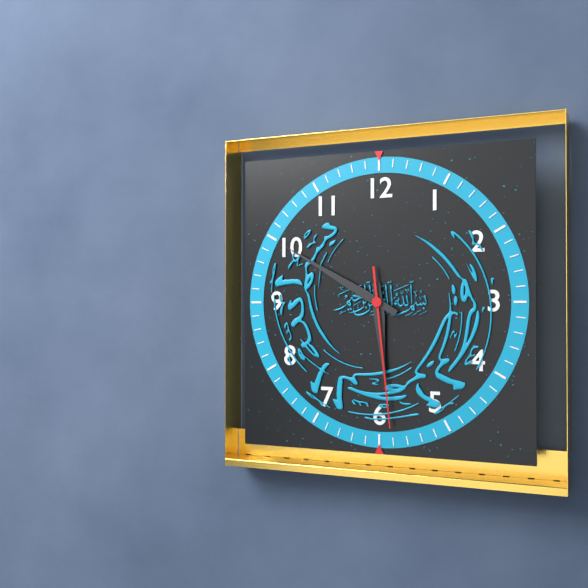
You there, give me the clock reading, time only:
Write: 5:50:29
